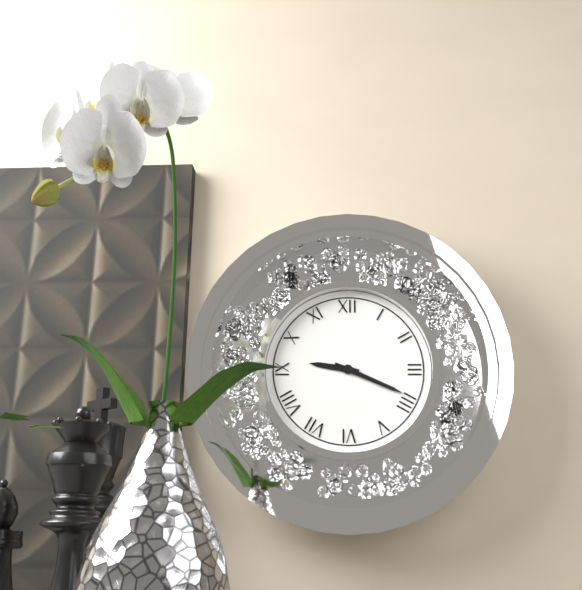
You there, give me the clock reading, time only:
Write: 9:19
